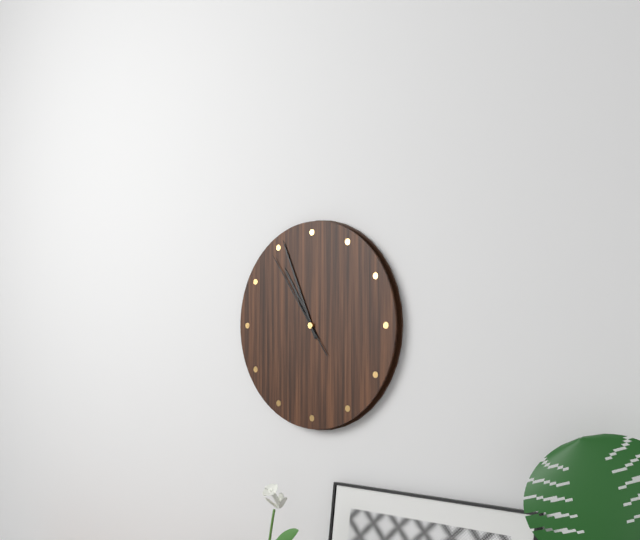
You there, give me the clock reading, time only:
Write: 10:56:54
